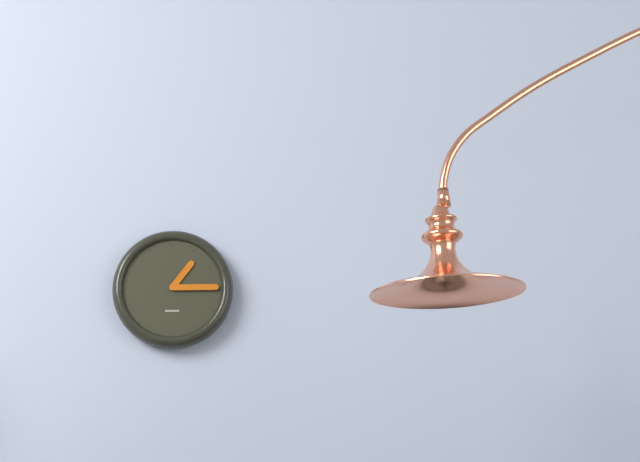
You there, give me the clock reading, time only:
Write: 1:15
